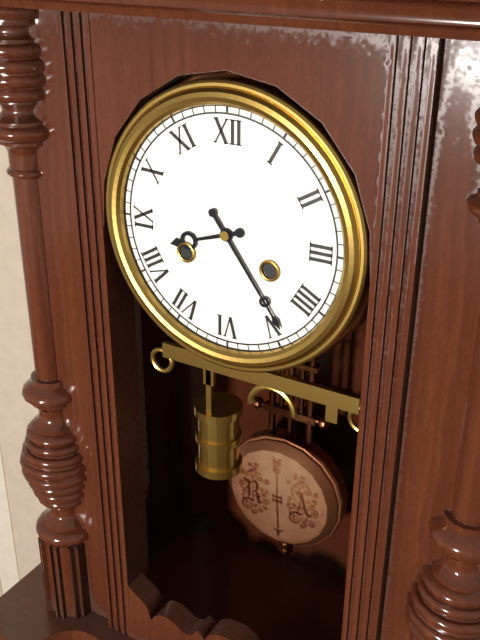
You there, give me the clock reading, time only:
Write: 8:24
